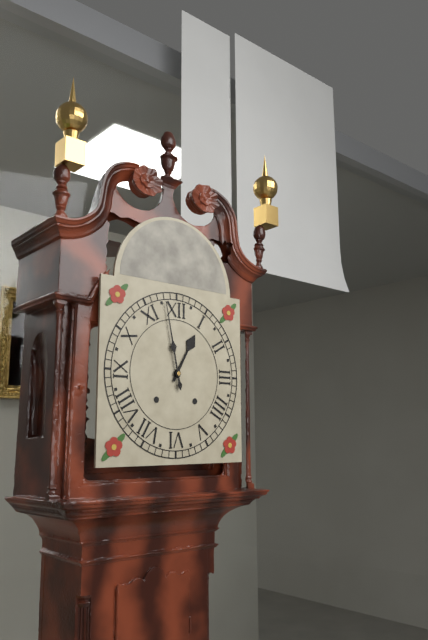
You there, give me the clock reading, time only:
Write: 12:58
